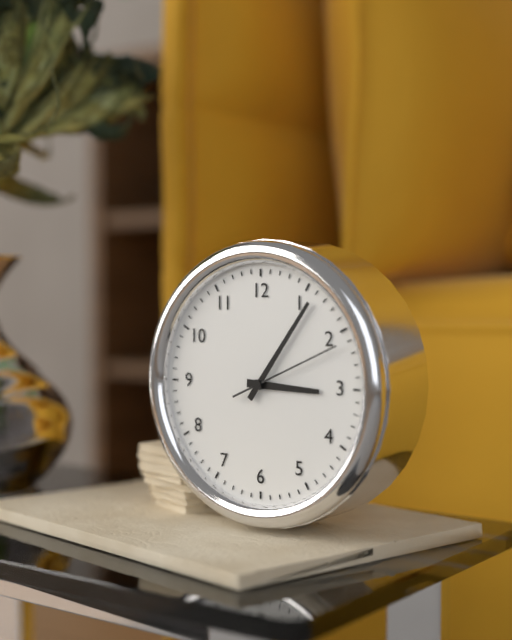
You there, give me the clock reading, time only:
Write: 3:06:11
